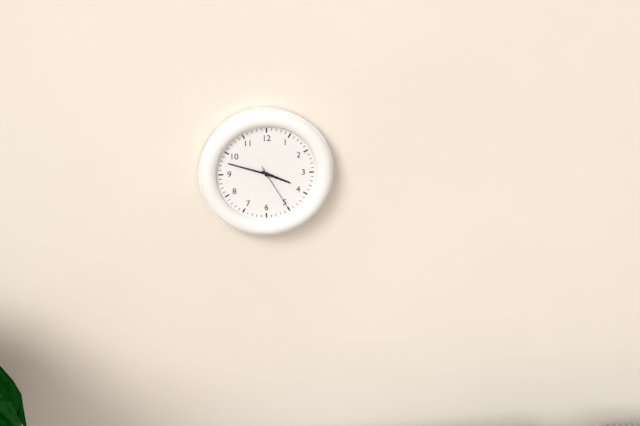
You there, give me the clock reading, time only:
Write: 3:48:25
